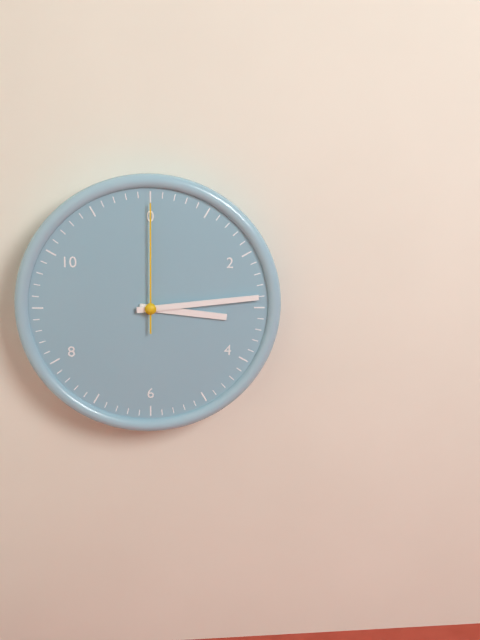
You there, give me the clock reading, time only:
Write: 3:14:00
